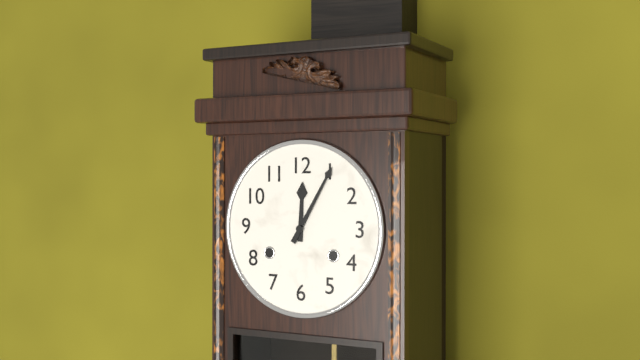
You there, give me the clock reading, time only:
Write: 12:05
